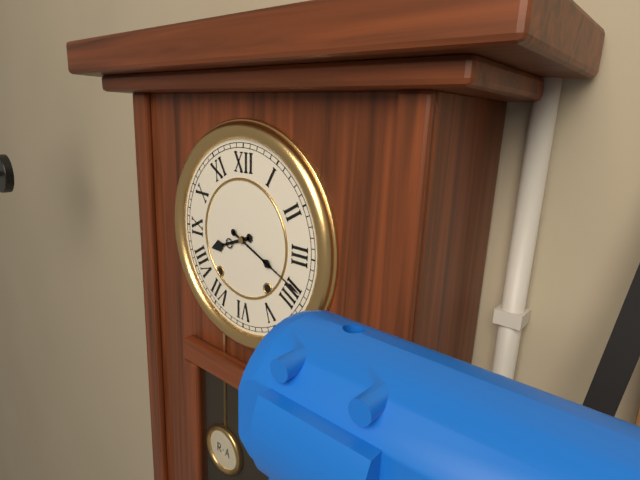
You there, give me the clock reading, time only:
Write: 8:19
